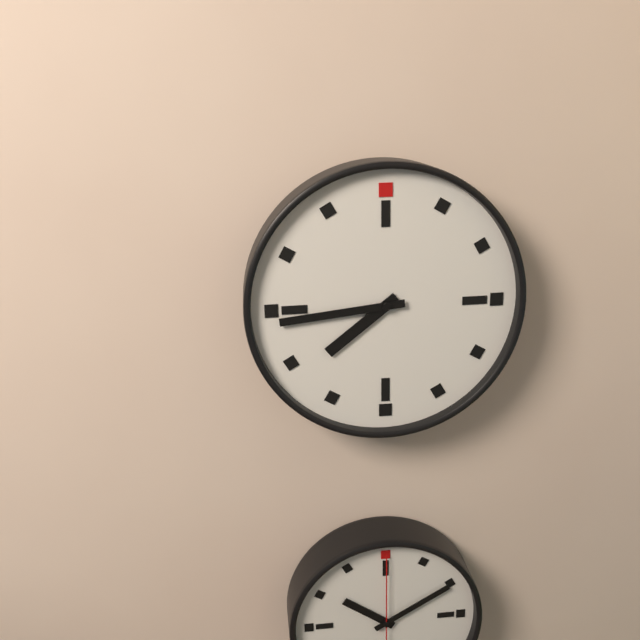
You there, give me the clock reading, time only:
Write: 7:44
